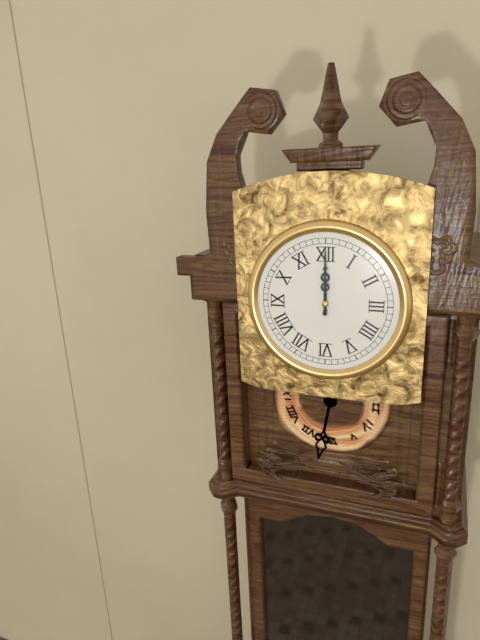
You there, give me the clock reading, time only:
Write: 12:00
